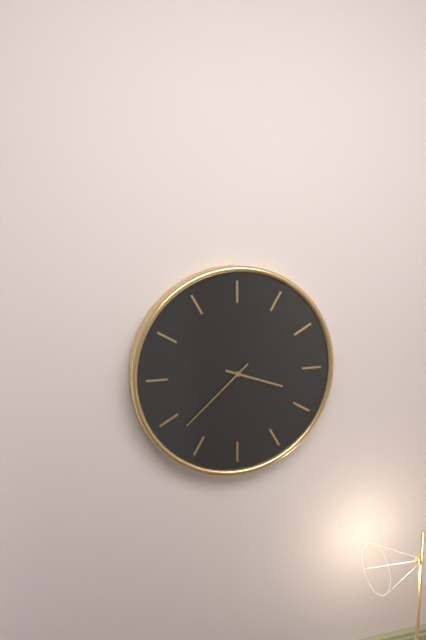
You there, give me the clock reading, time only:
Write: 3:38
